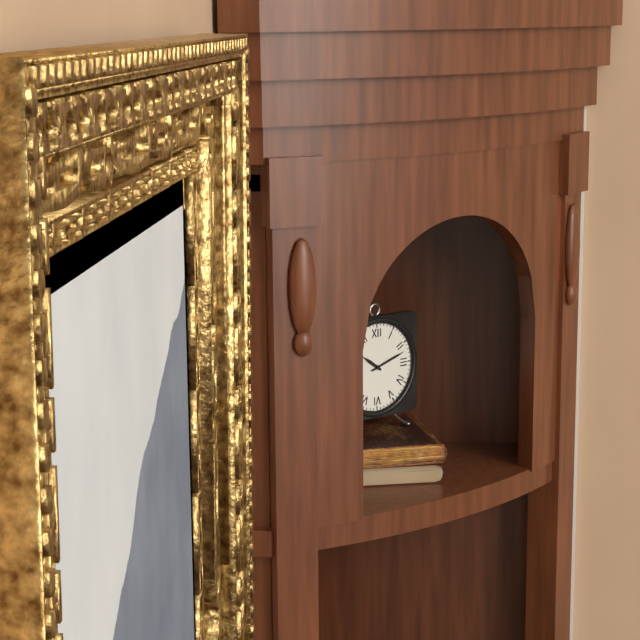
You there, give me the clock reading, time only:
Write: 10:12
